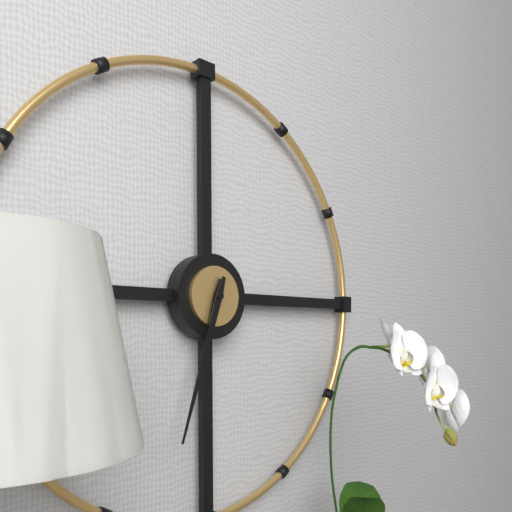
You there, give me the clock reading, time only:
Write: 6:33
